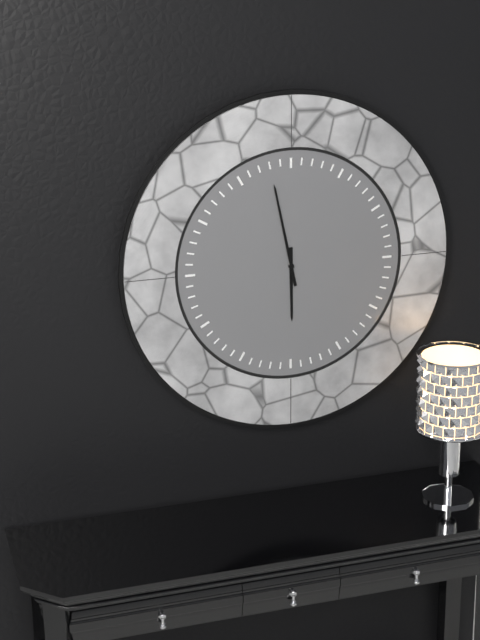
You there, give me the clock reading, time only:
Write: 5:58
